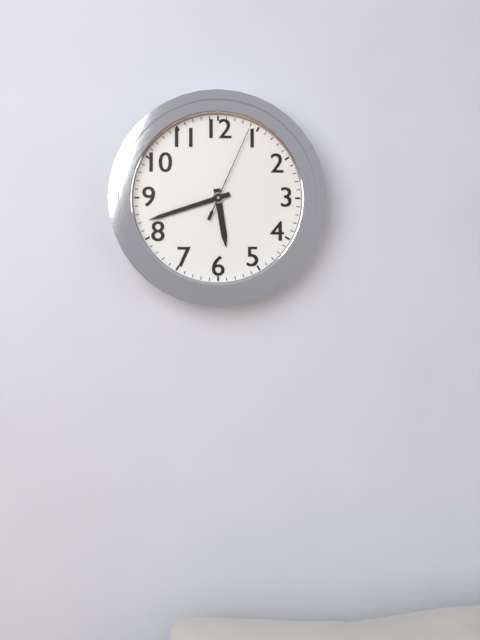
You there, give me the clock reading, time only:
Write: 5:42:04
